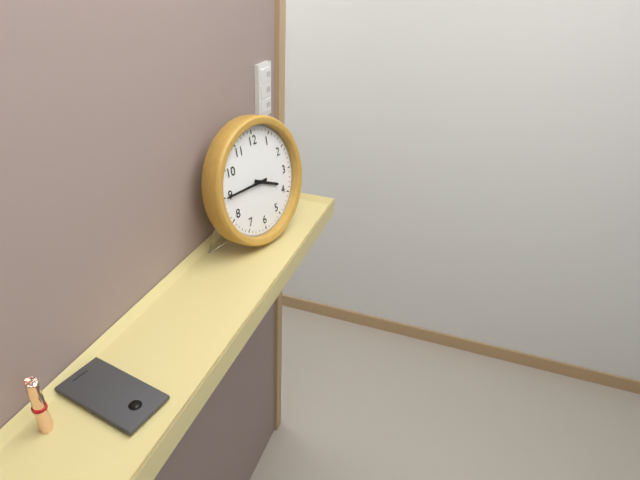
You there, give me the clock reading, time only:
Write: 3:45
